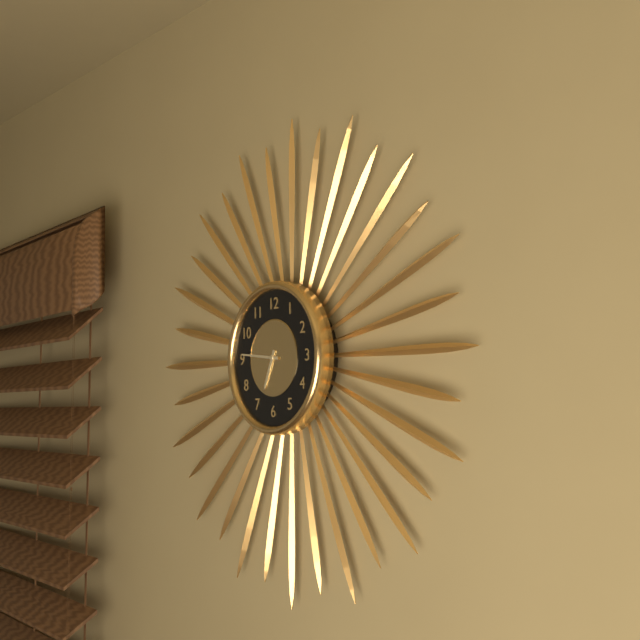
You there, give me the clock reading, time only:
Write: 6:46
